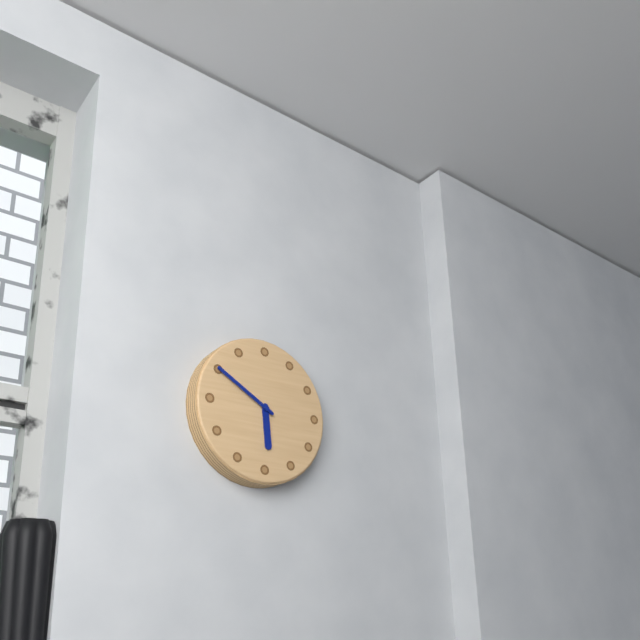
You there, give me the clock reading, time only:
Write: 5:50
